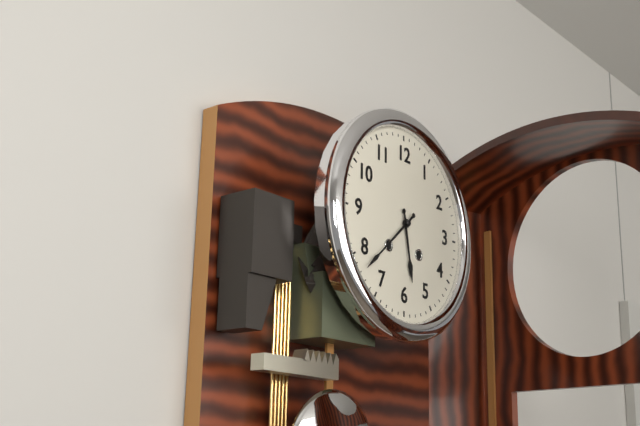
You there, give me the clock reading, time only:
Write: 5:38
